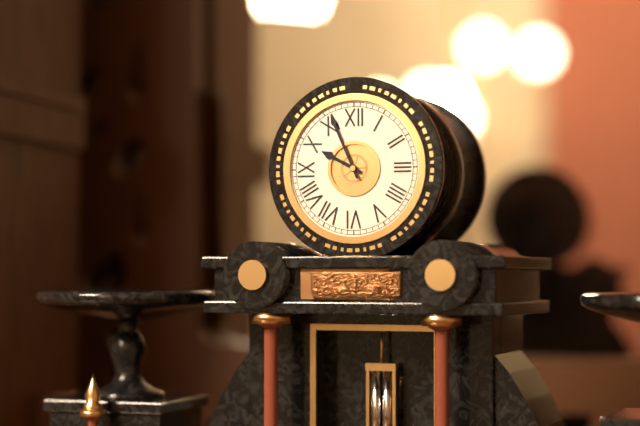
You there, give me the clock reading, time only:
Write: 9:56
